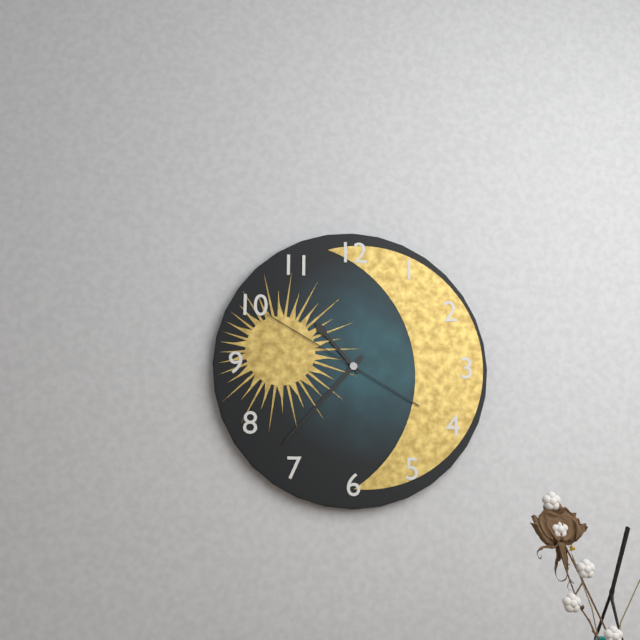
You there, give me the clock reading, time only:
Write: 10:37:50
